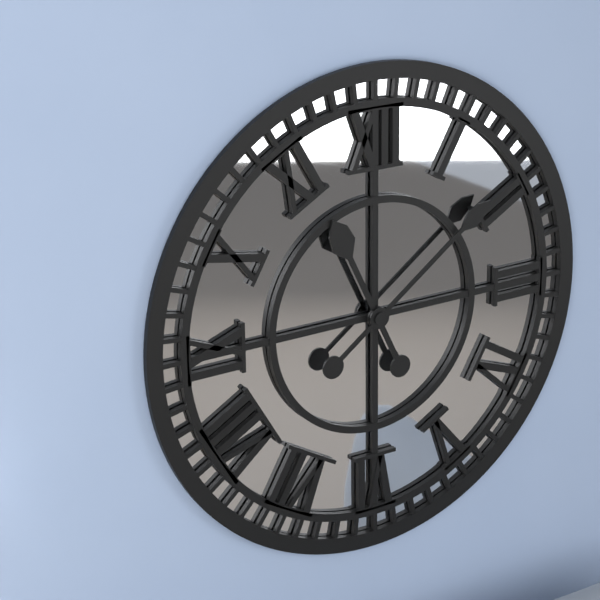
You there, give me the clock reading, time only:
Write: 11:09
